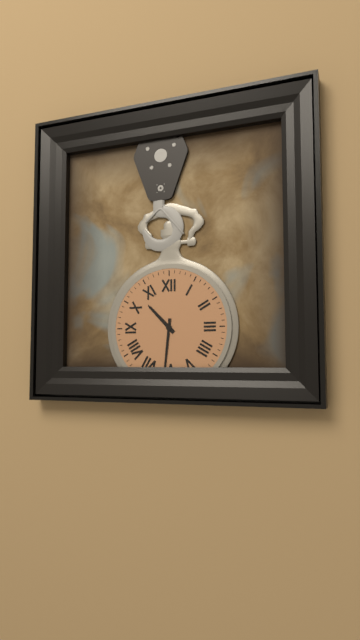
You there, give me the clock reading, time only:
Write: 10:31
